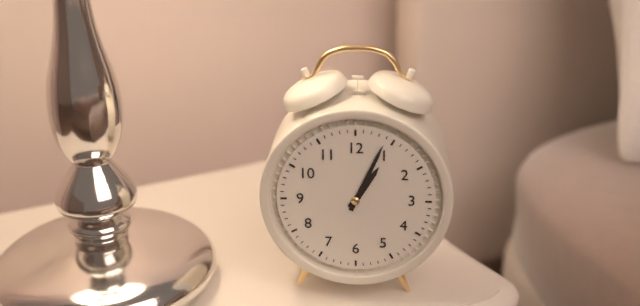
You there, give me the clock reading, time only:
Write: 1:04
